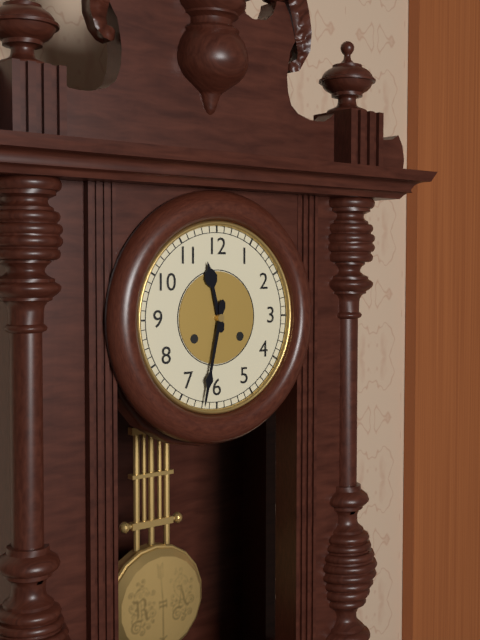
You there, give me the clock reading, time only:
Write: 11:32
